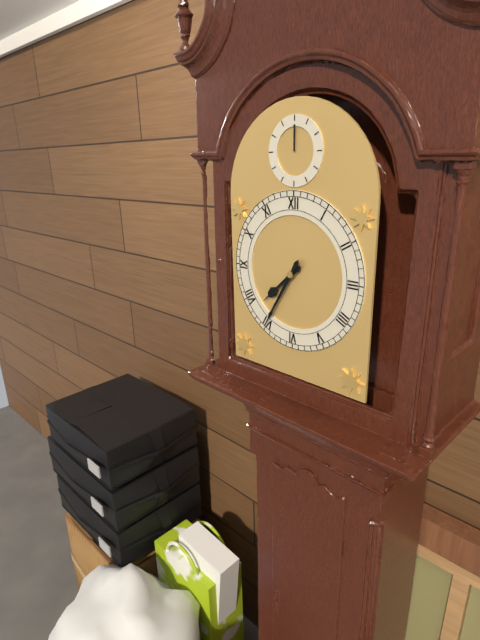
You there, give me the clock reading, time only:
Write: 7:35
